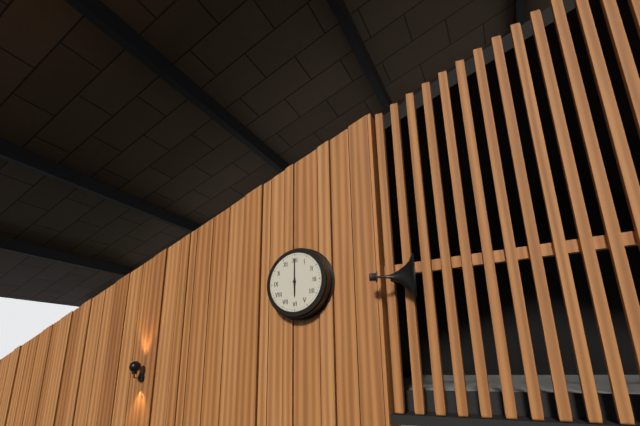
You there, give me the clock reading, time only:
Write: 6:00
